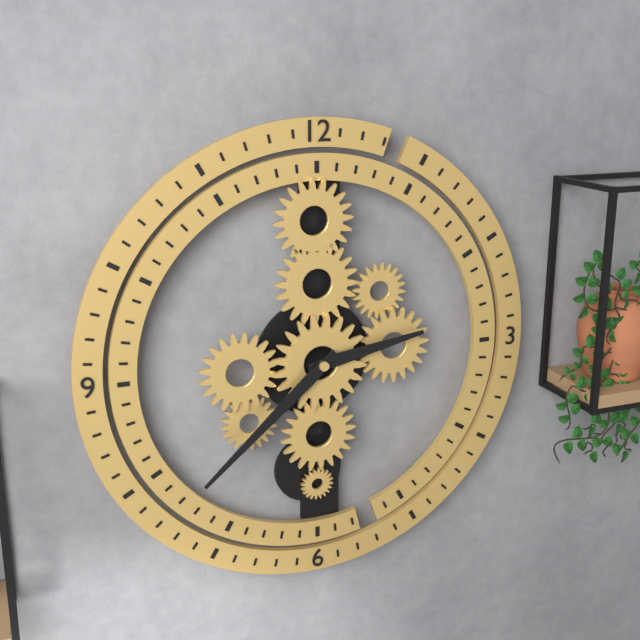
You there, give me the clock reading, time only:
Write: 2:38
